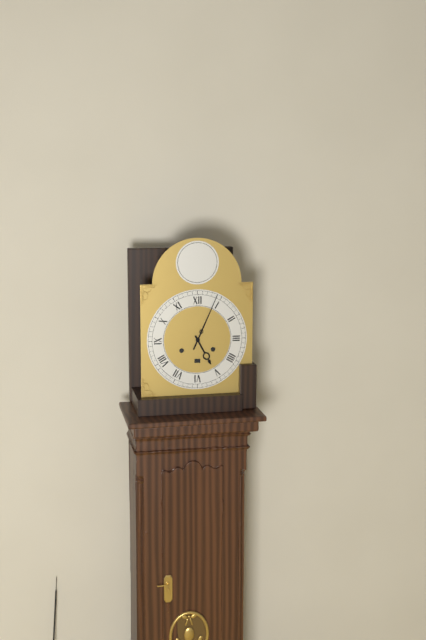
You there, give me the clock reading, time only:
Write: 5:04
